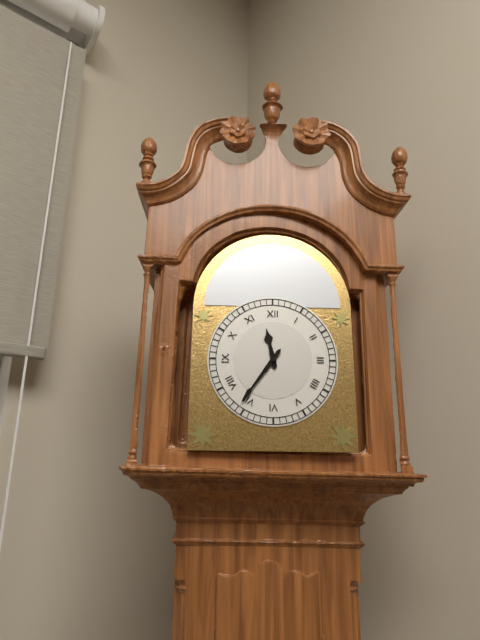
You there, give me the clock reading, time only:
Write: 11:36
